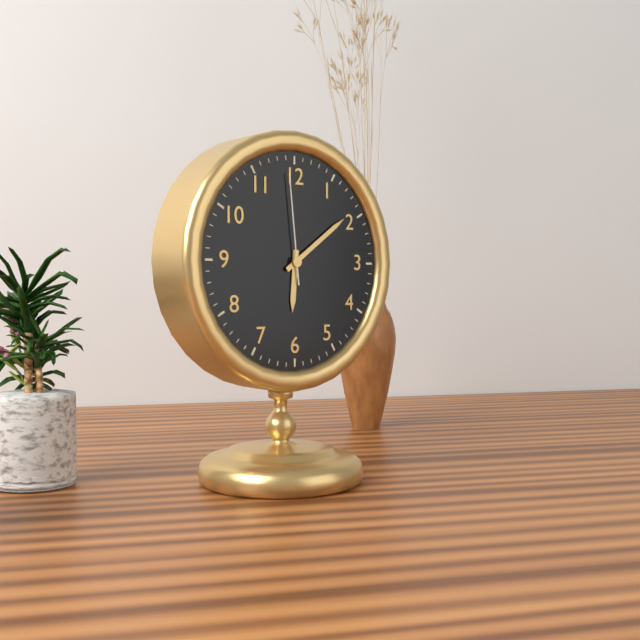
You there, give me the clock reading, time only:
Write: 6:09:59
